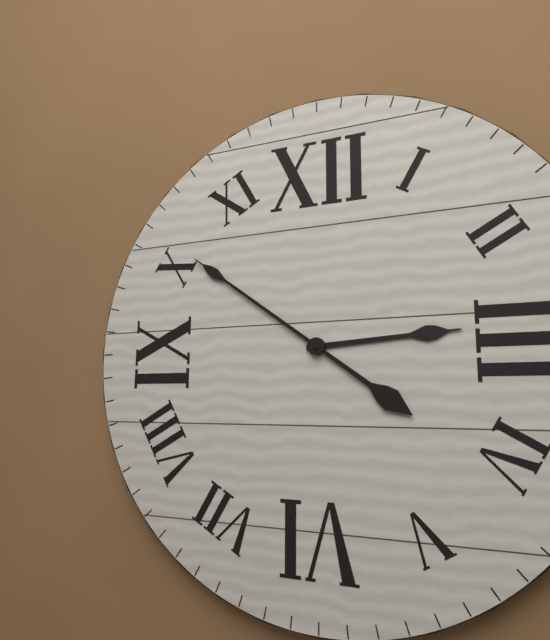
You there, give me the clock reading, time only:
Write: 2:51
